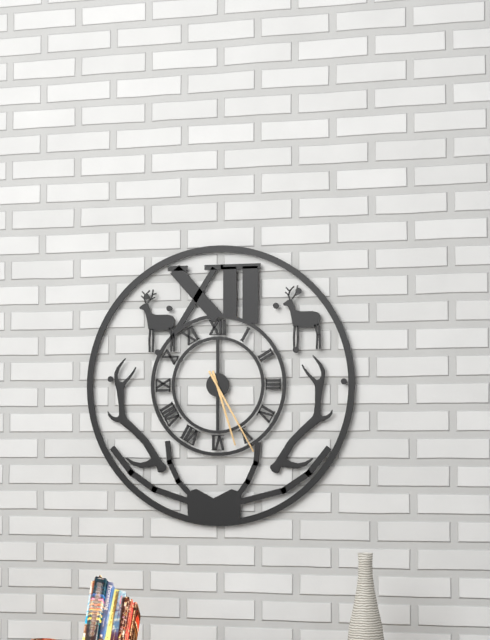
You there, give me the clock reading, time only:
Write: 5:25
